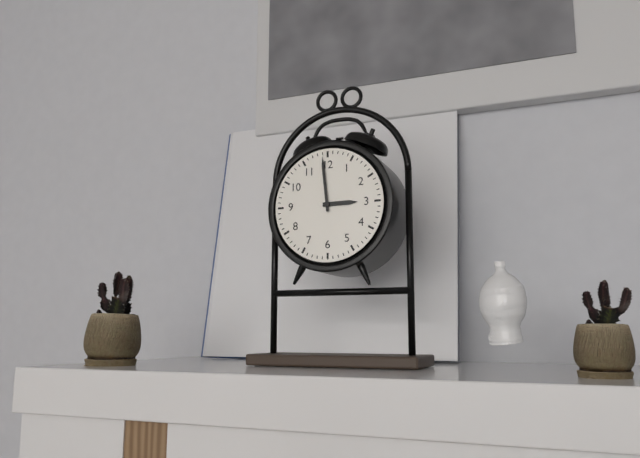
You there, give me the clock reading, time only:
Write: 2:59
